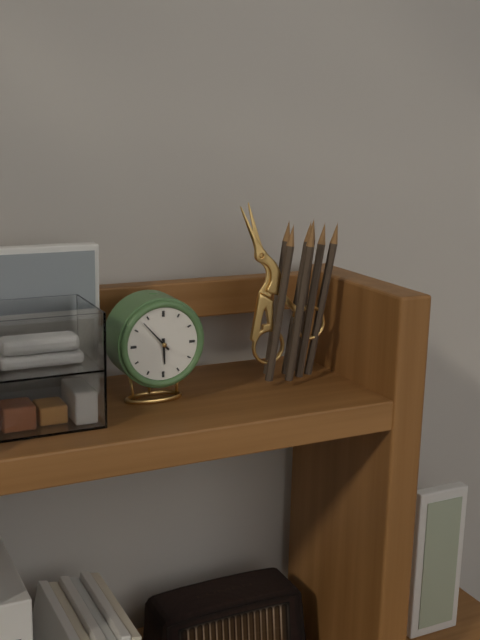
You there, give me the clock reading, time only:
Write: 5:53
